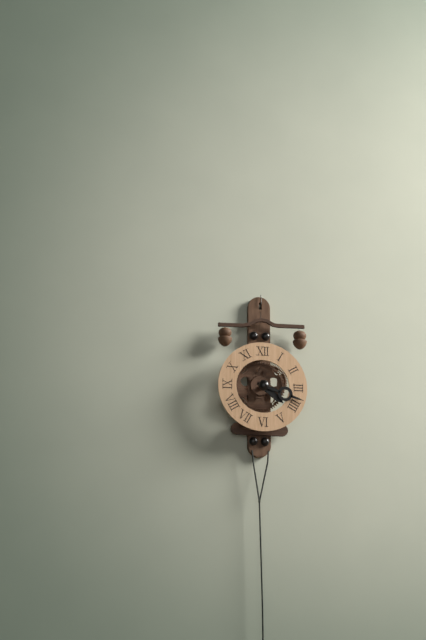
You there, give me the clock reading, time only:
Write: 4:18
